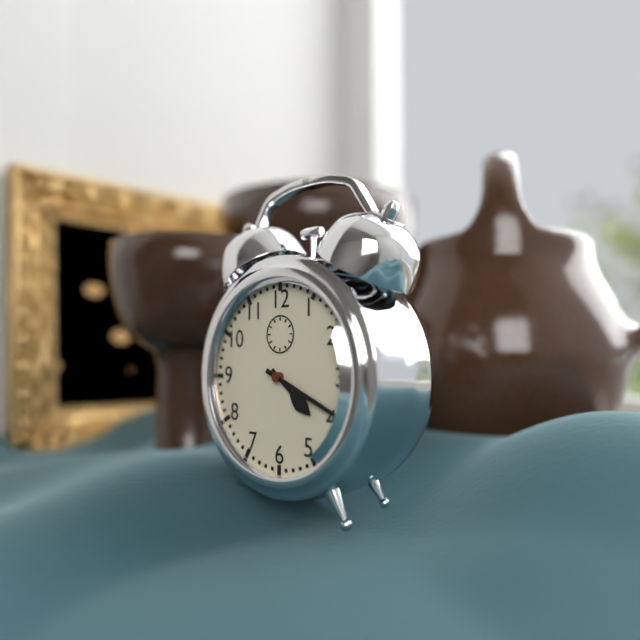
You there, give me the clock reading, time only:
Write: 4:19
